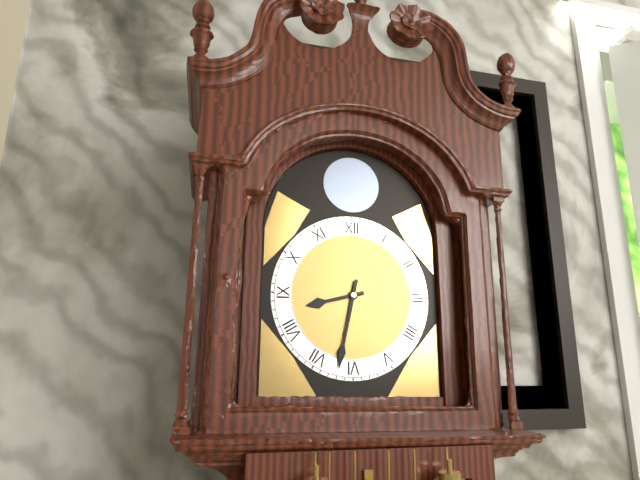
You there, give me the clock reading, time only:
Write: 8:32
